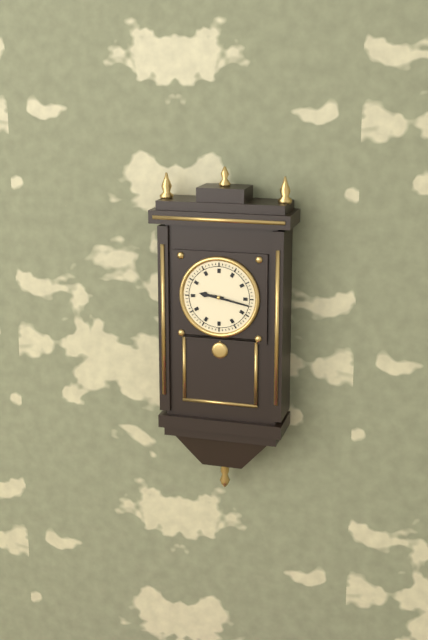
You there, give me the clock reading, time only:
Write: 9:17
